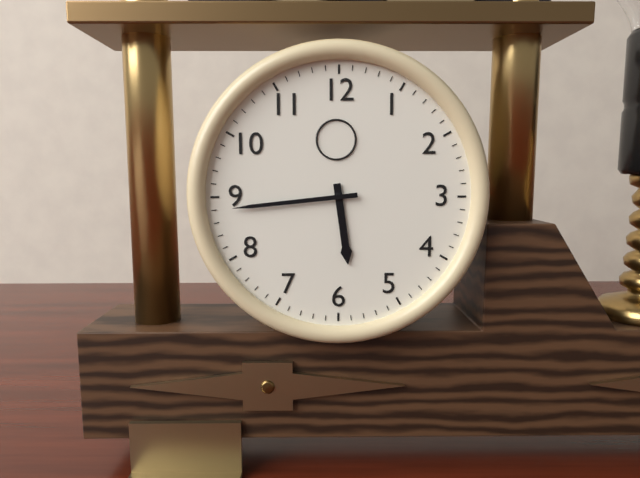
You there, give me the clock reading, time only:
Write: 5:44
